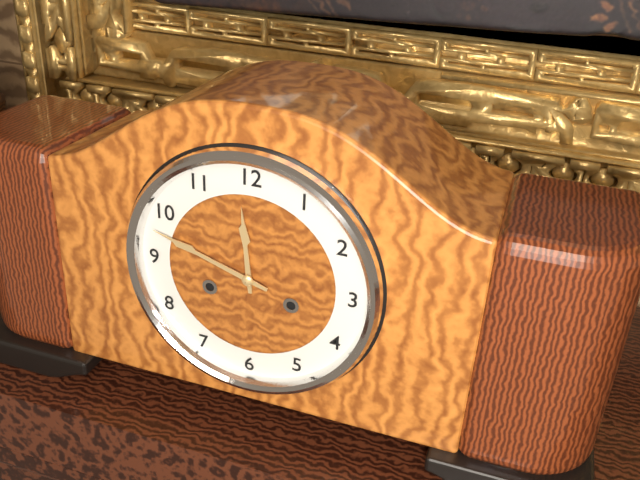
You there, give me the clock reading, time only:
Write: 11:48
